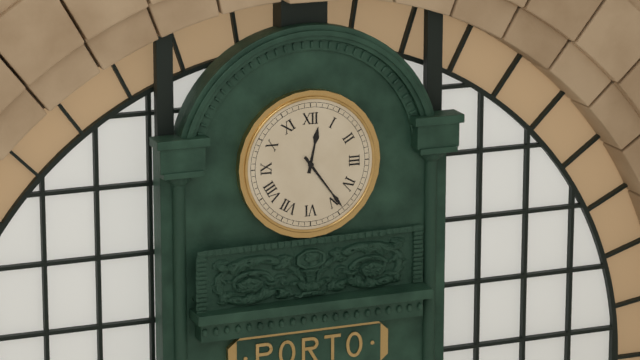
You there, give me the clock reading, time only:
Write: 12:24
